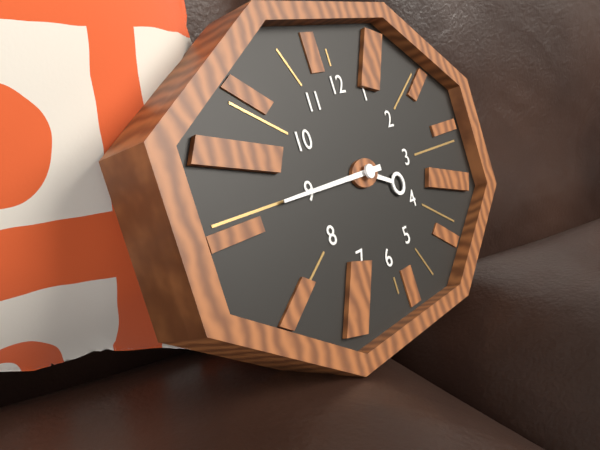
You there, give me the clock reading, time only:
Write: 3:45
